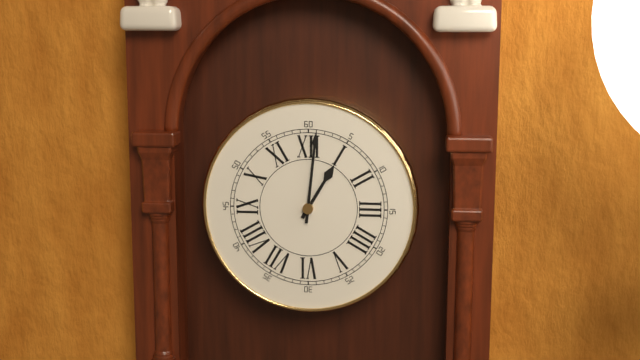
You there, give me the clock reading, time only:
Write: 1:01
